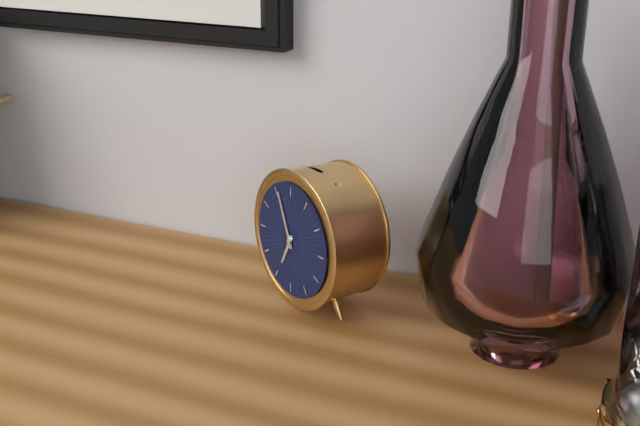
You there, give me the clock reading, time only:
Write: 6:56
